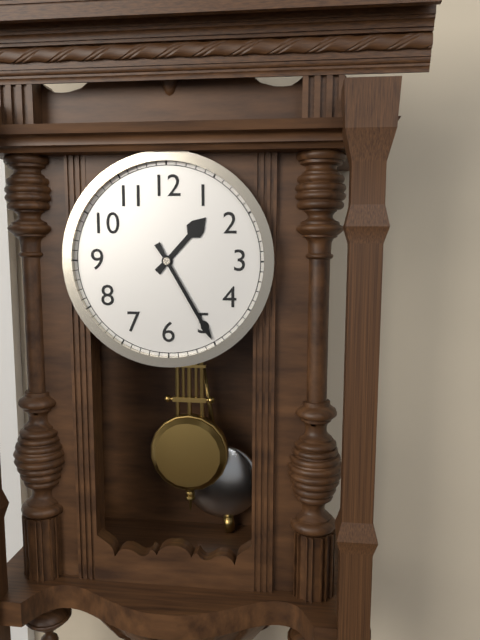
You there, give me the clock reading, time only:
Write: 1:25
